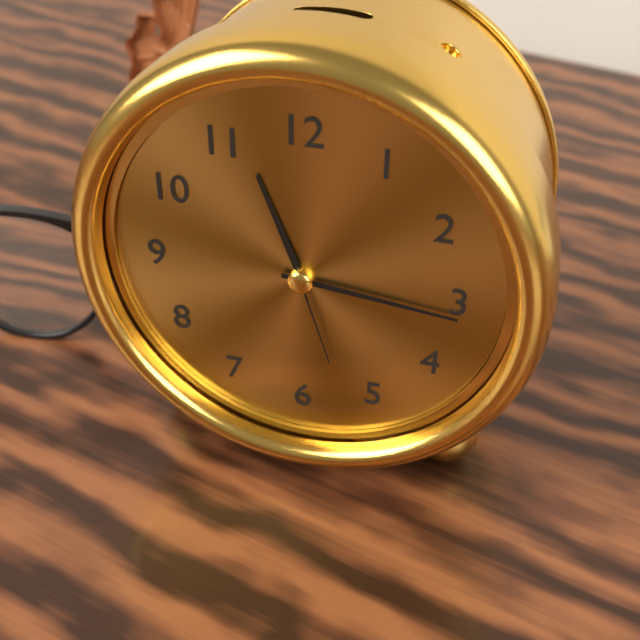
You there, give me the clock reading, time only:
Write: 11:16:27
